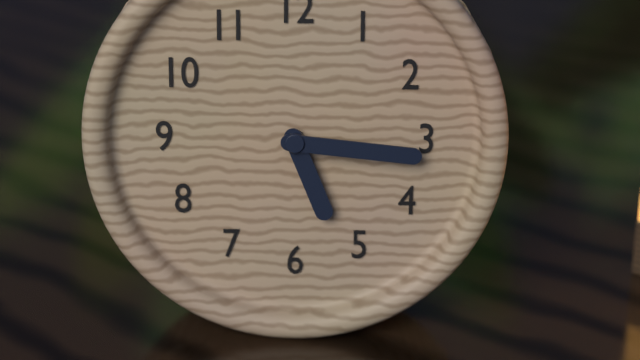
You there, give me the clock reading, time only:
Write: 5:16
